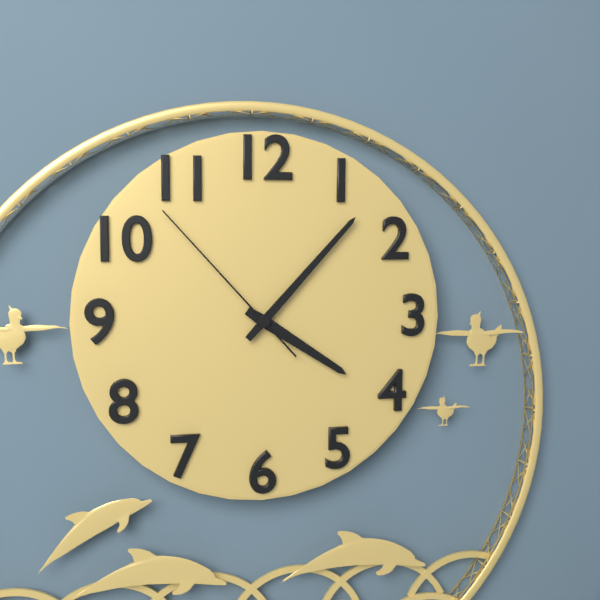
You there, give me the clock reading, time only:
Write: 4:07:53
